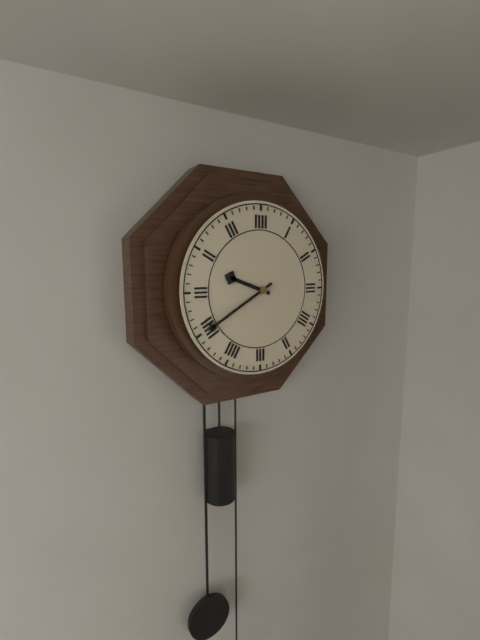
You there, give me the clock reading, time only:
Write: 9:40
